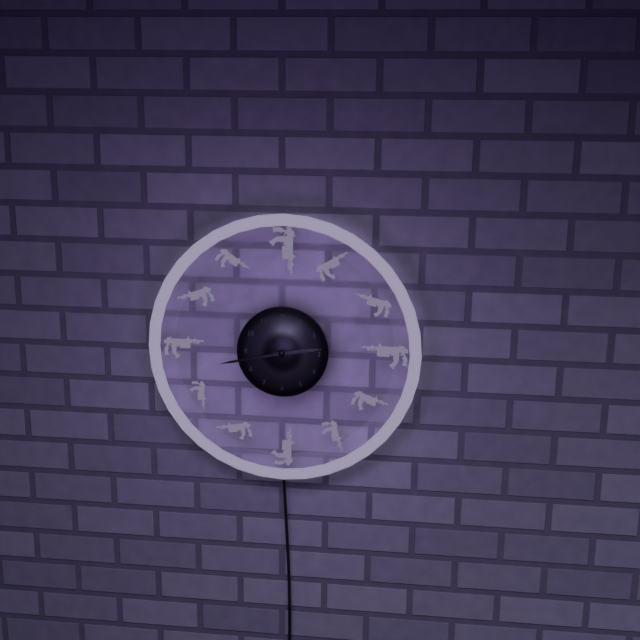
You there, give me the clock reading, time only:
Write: 2:43
